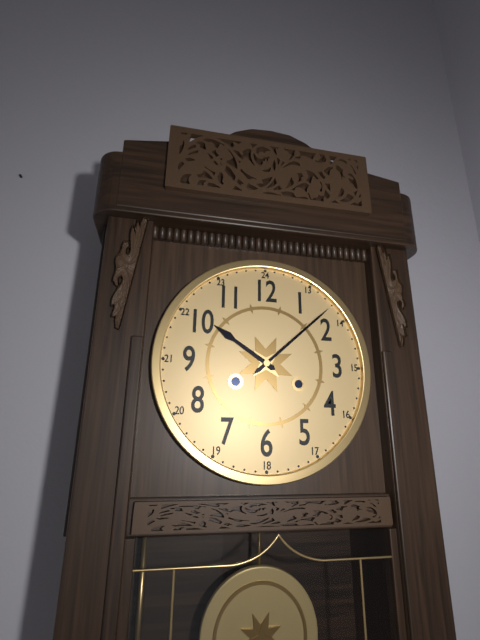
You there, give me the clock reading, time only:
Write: 10:08
